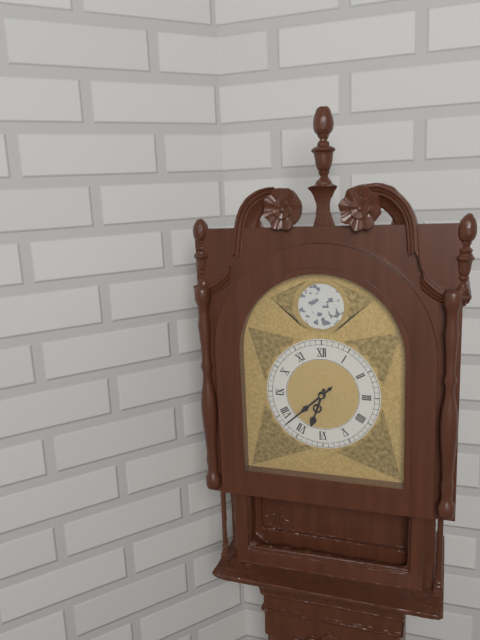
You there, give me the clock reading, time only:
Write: 6:38
